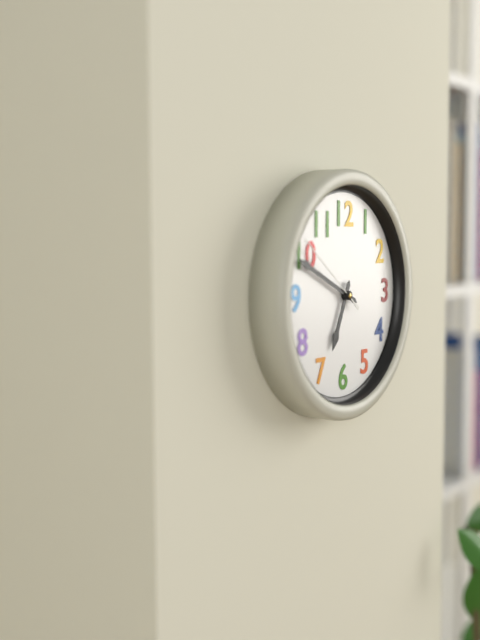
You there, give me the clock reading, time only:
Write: 6:49:51
